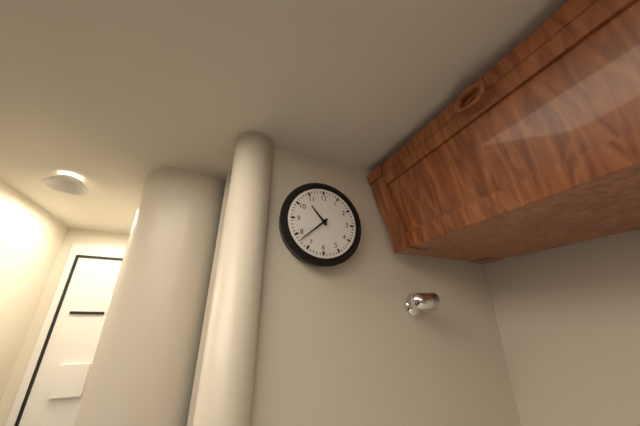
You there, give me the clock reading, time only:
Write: 10:38
